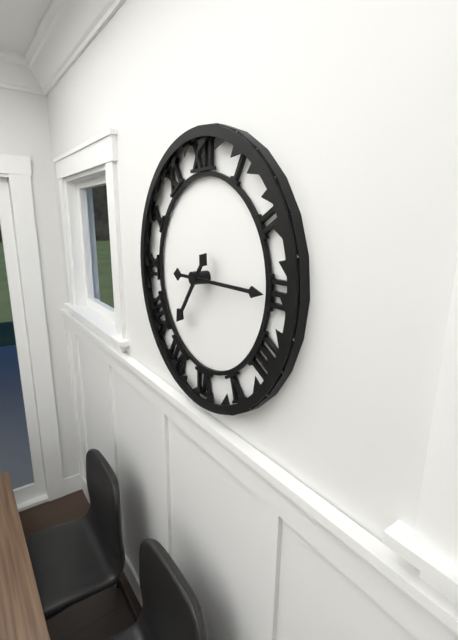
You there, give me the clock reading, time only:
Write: 7:15
